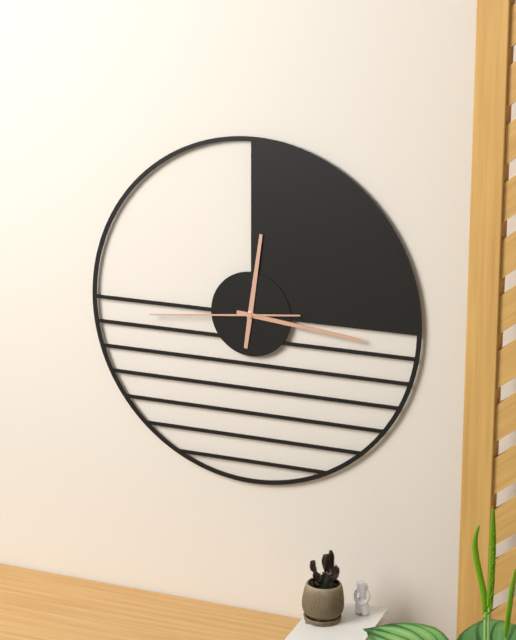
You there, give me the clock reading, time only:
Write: 12:16:44
